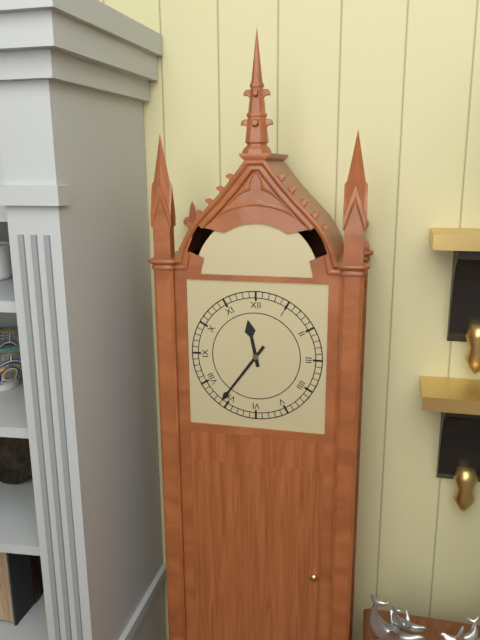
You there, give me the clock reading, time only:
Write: 11:36
